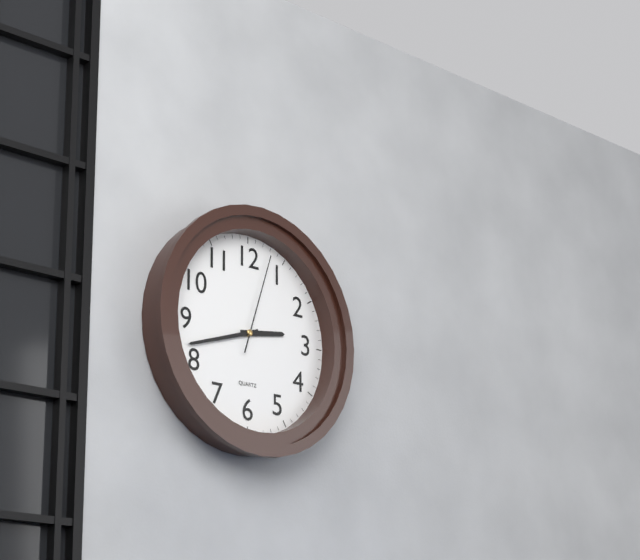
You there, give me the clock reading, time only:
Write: 2:42:03
